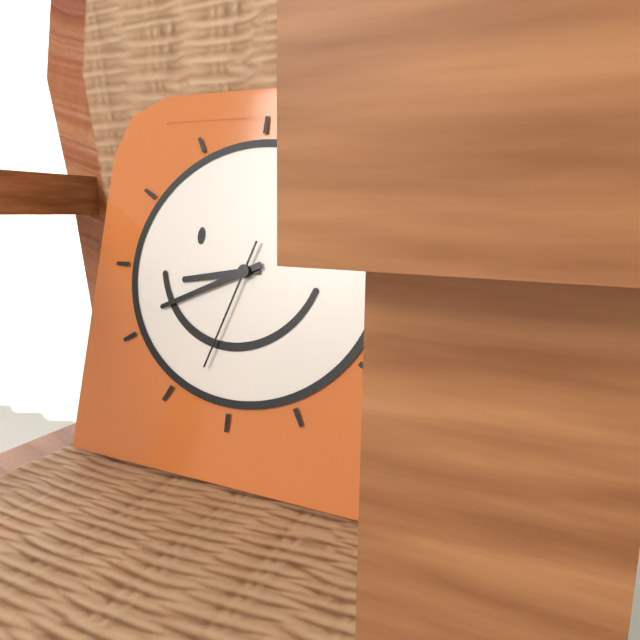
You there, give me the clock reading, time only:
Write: 8:41:33
